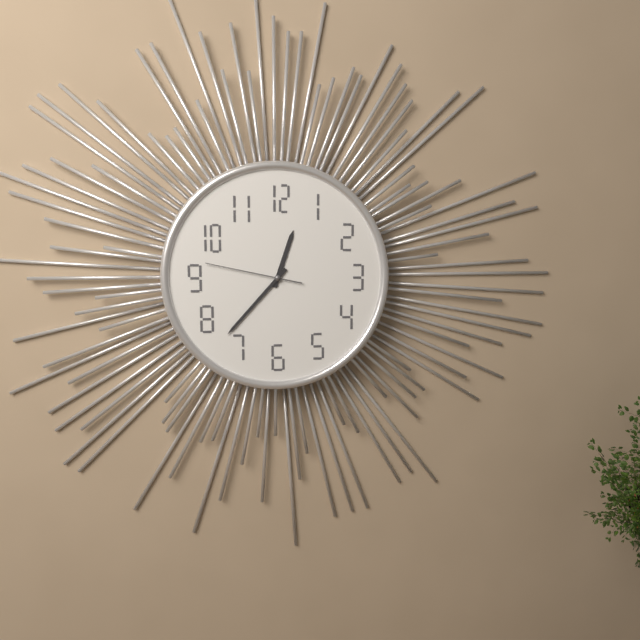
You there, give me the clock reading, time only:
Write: 12:37:47
